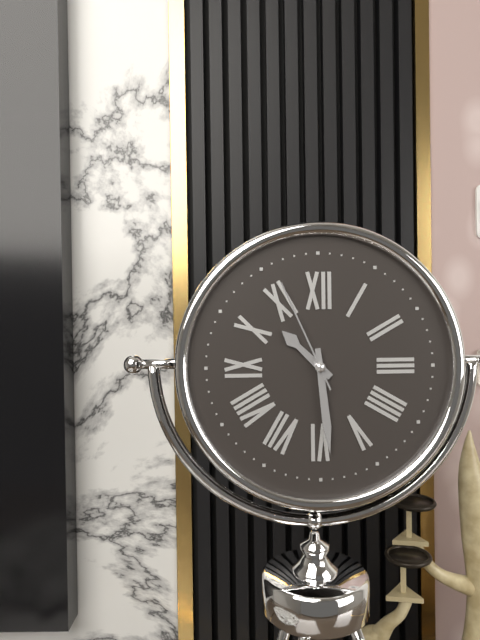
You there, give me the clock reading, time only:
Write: 10:29:56
